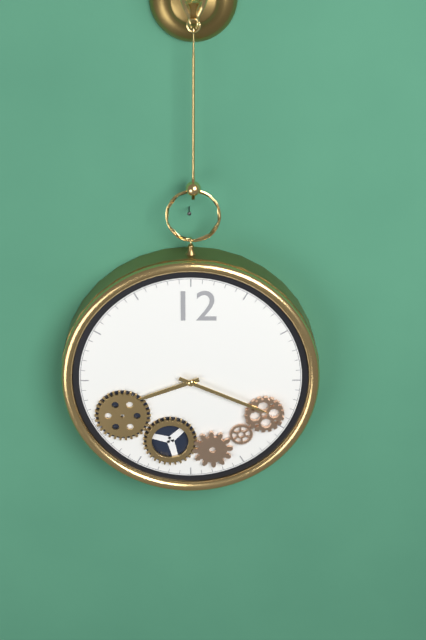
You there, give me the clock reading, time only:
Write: 8:19
